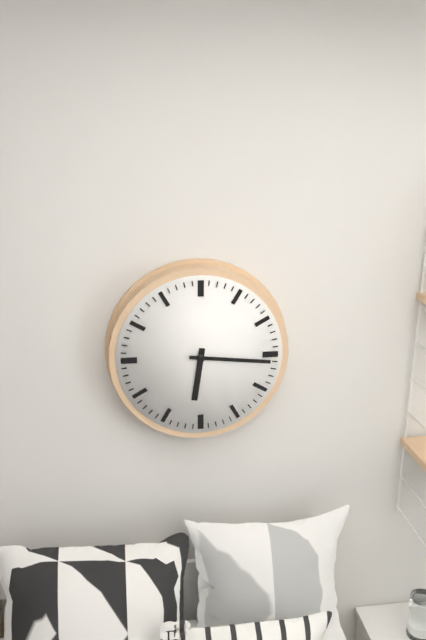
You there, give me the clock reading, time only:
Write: 6:16
